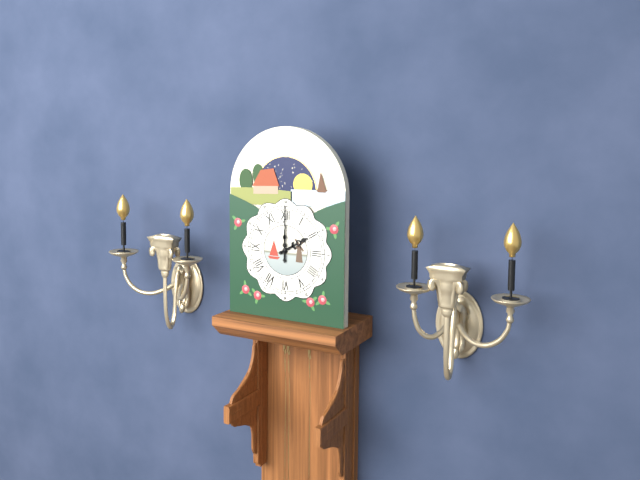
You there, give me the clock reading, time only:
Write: 2:00
